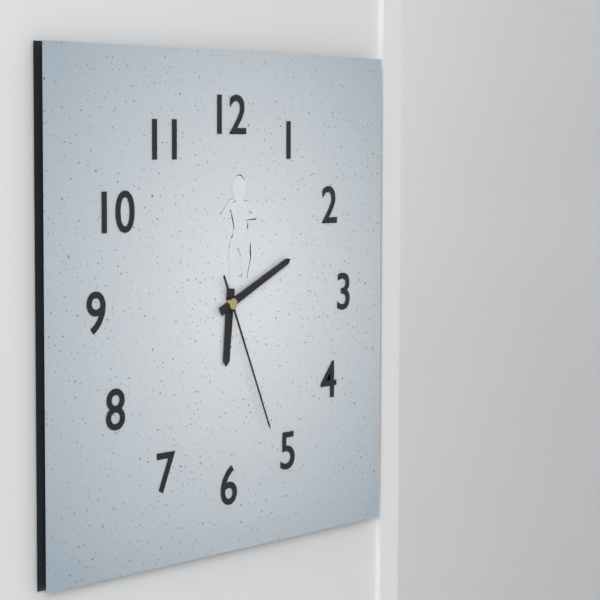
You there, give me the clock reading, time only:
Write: 6:11:26
